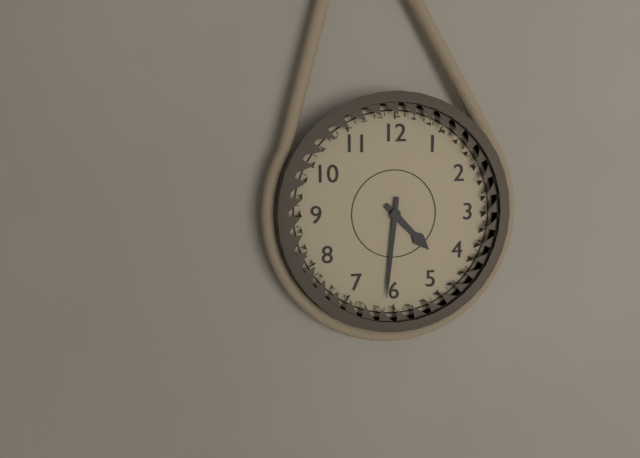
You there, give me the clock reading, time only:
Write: 4:31
